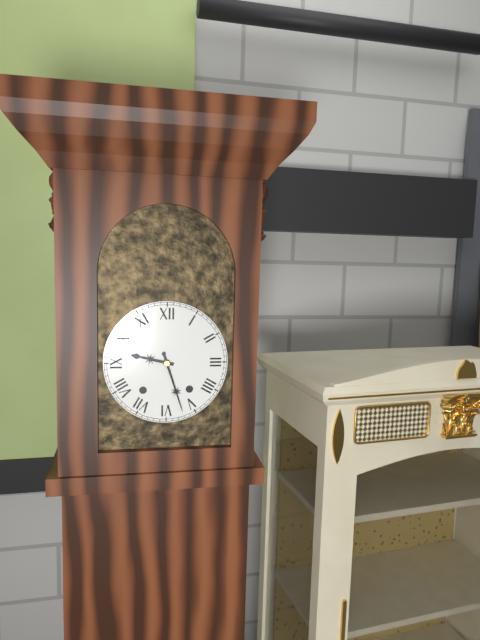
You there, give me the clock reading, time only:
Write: 9:27
